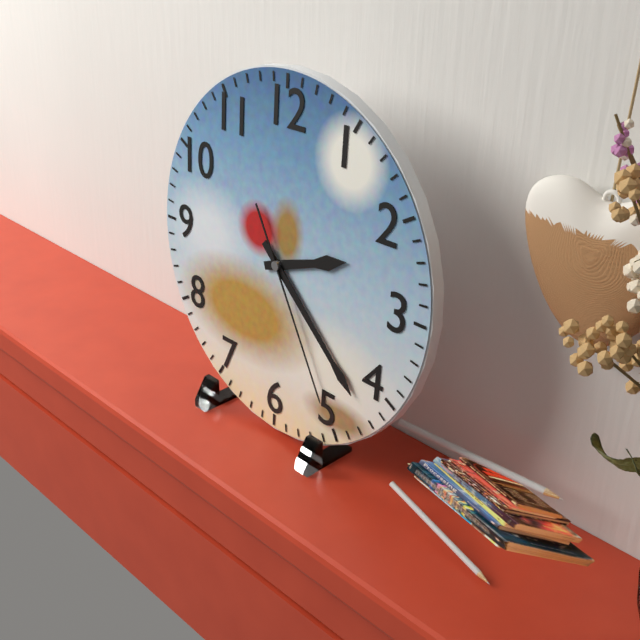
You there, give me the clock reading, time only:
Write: 2:22:25
